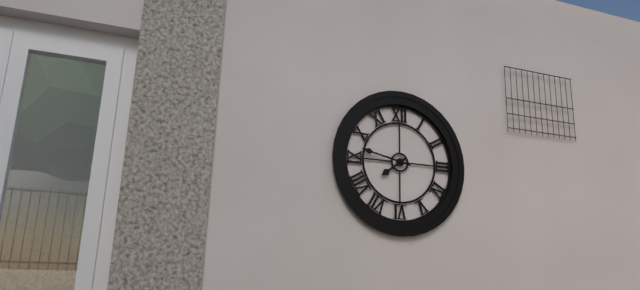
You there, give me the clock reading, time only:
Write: 7:47
